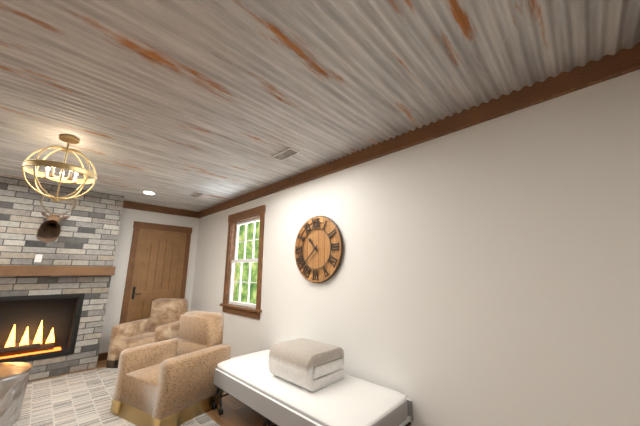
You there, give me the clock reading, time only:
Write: 10:38
